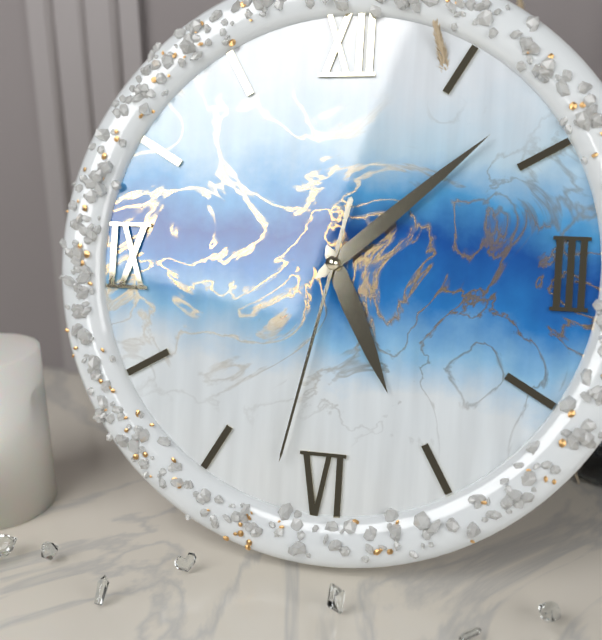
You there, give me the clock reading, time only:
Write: 5:08:32
